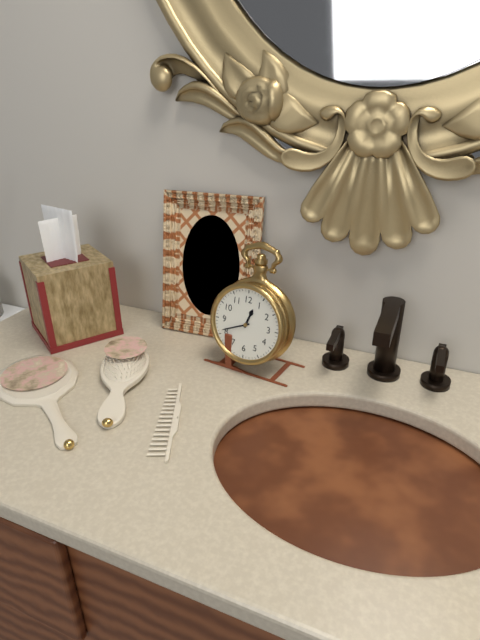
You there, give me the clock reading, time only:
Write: 12:41
